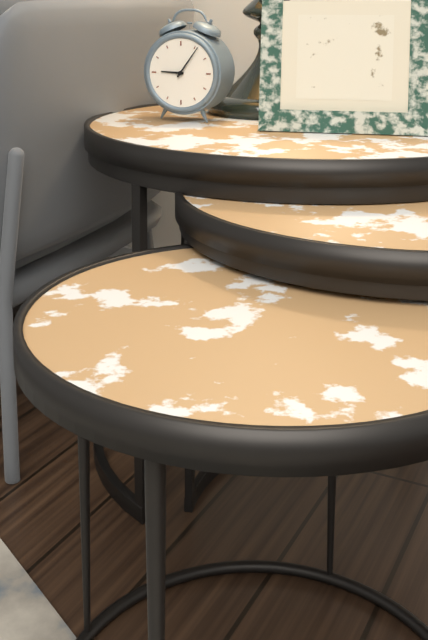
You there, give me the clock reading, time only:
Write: 9:06
